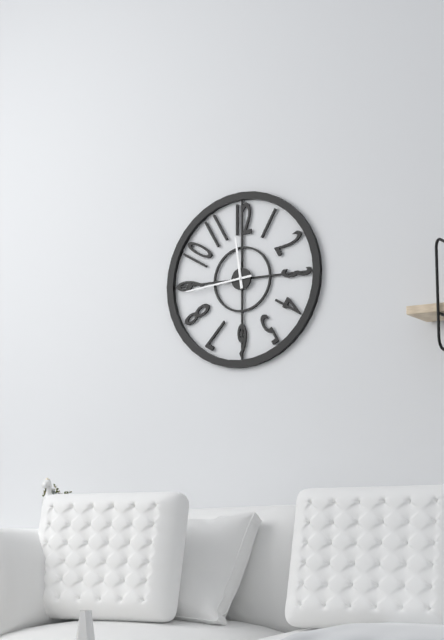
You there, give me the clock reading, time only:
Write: 11:44
